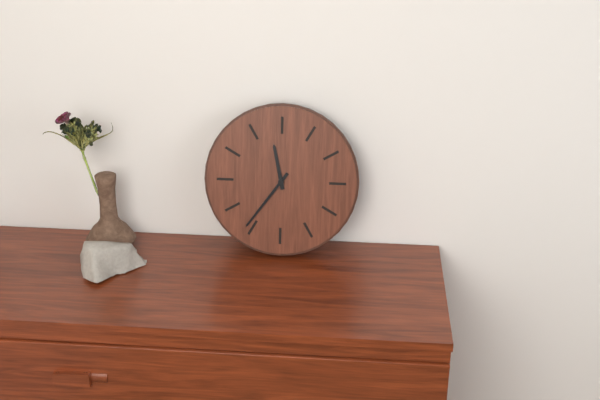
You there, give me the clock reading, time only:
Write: 11:36
